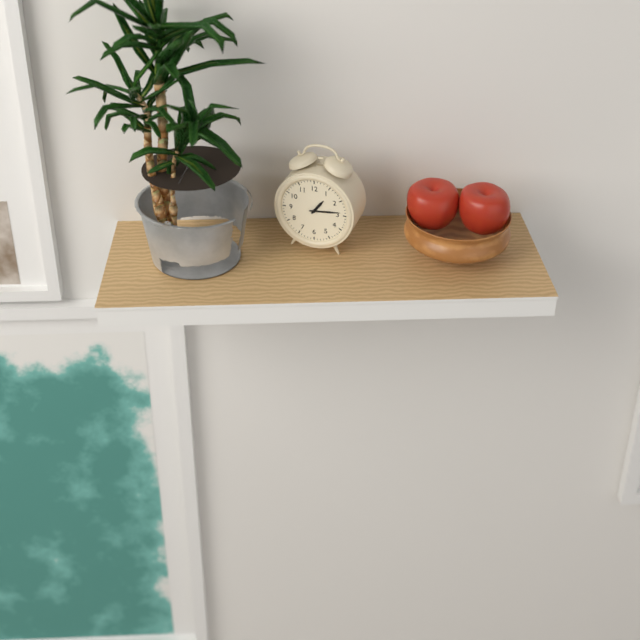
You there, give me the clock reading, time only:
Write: 1:14
